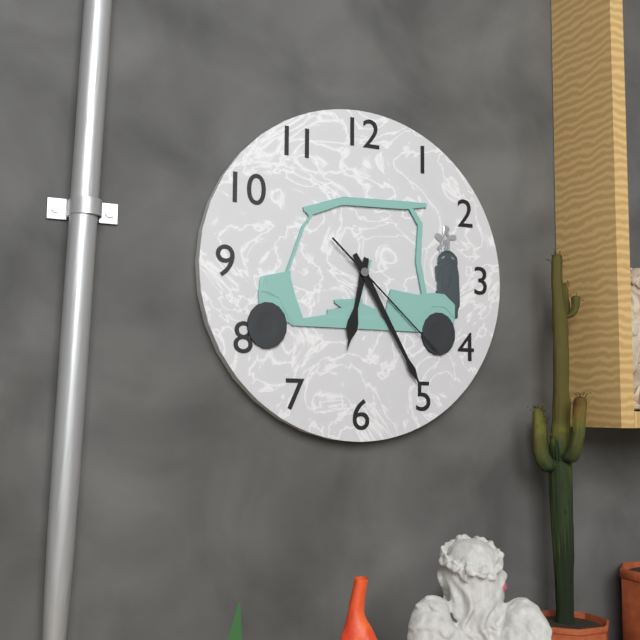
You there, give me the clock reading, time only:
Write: 6:25:22
